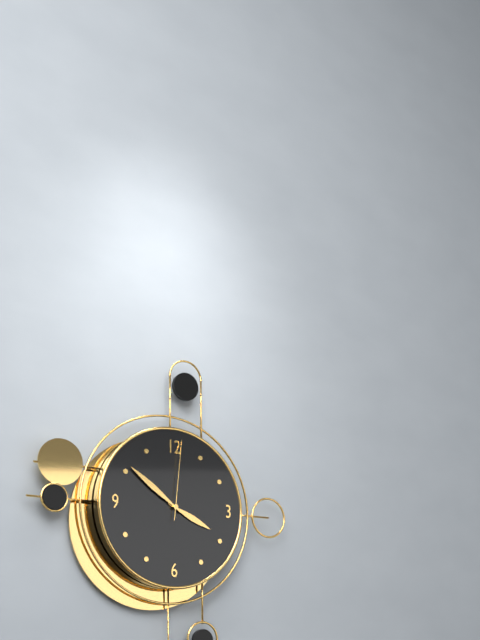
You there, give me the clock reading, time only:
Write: 3:51:01
